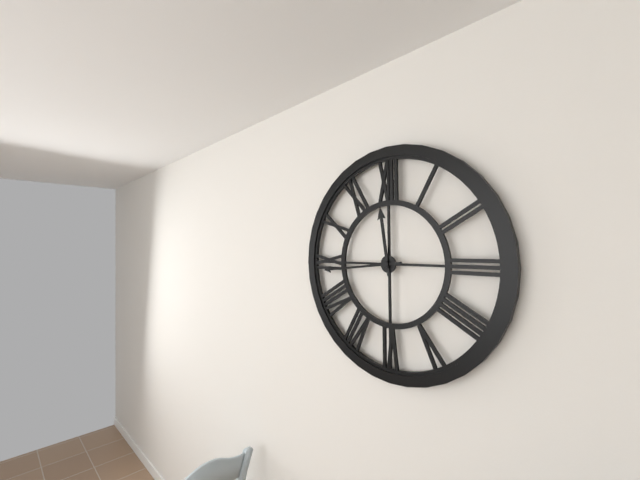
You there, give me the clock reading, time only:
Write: 11:44
